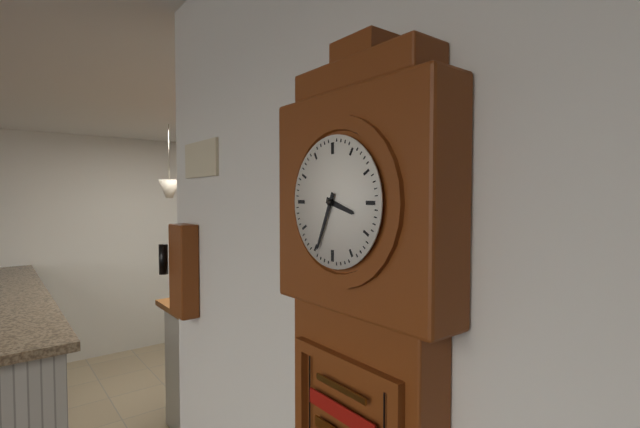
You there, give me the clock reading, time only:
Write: 3:34
